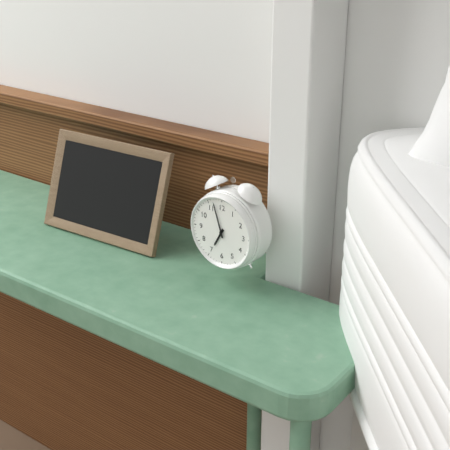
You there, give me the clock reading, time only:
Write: 6:57
